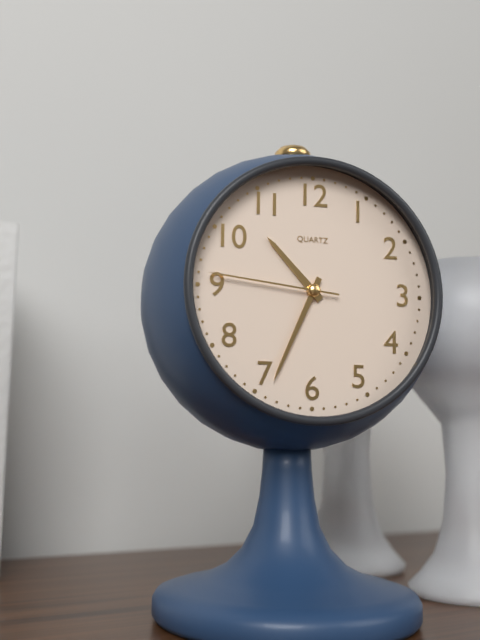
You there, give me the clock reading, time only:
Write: 10:34:46
